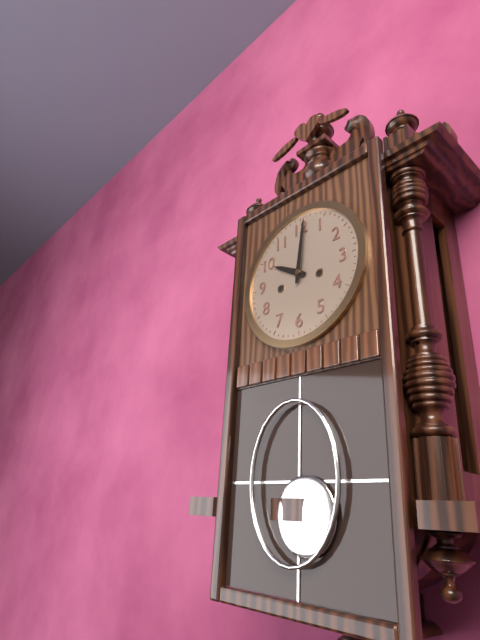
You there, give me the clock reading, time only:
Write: 10:01
